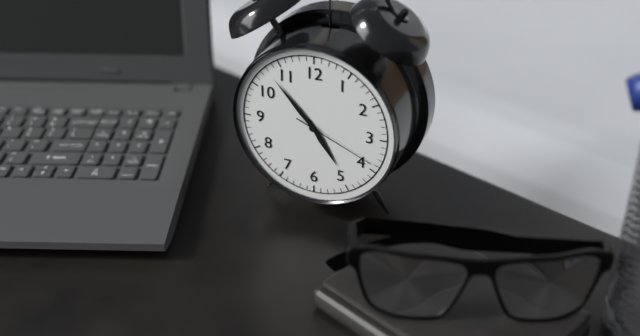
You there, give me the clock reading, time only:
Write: 4:53:19
